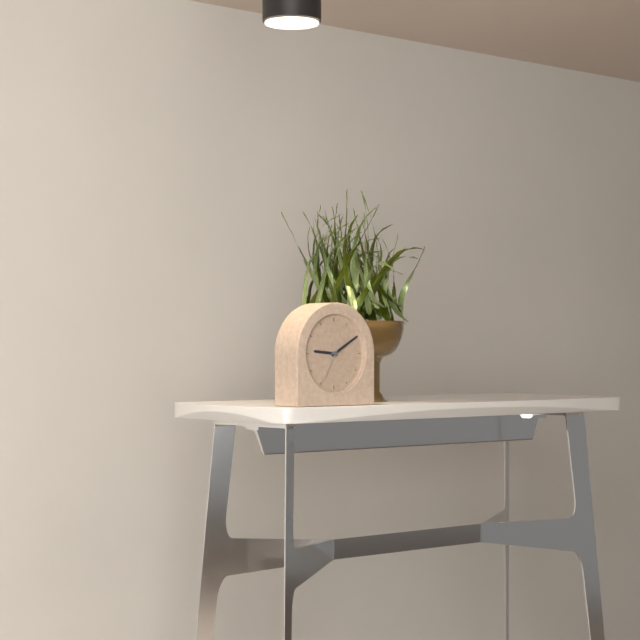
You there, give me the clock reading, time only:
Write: 9:10
